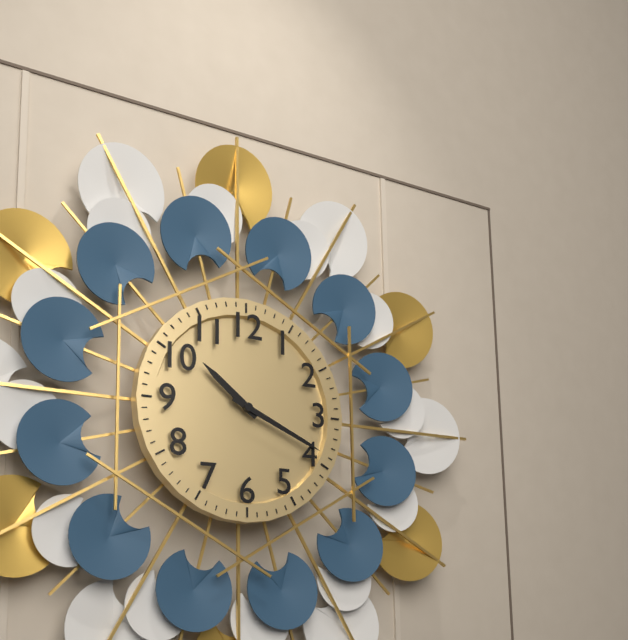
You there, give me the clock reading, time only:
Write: 10:19
